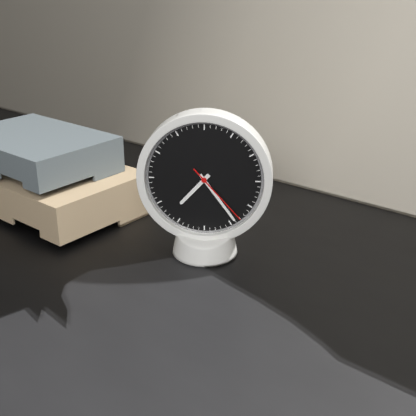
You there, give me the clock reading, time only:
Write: 7:24:23
